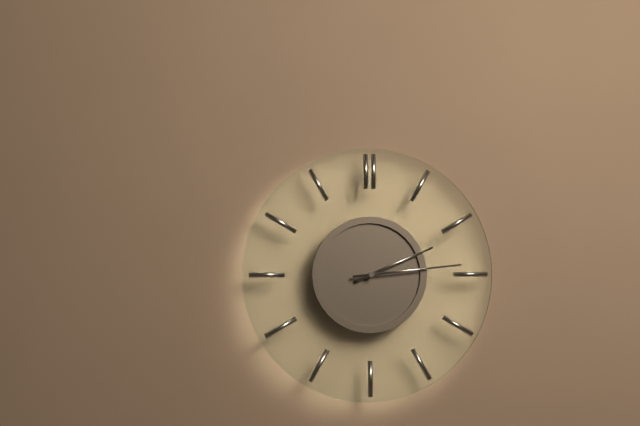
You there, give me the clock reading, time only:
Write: 2:14
